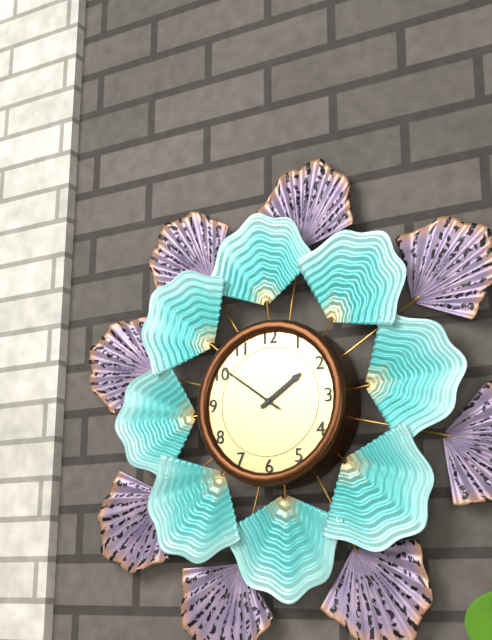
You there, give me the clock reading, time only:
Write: 1:51
